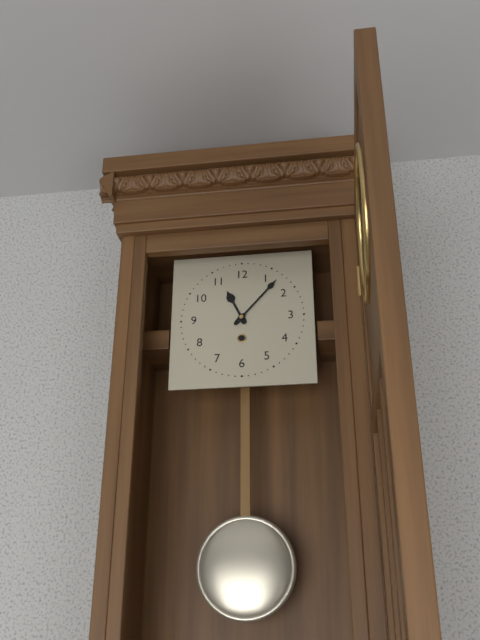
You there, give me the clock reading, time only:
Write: 11:07
